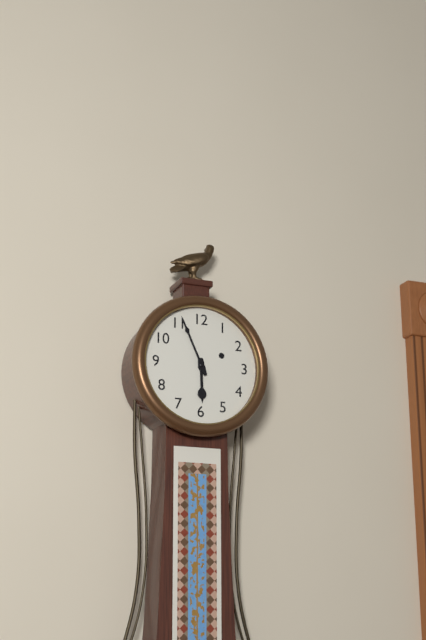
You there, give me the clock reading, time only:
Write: 5:56
